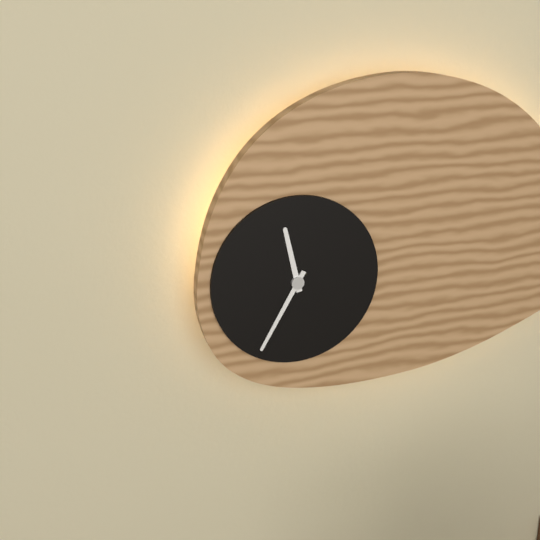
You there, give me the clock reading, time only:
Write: 11:35
